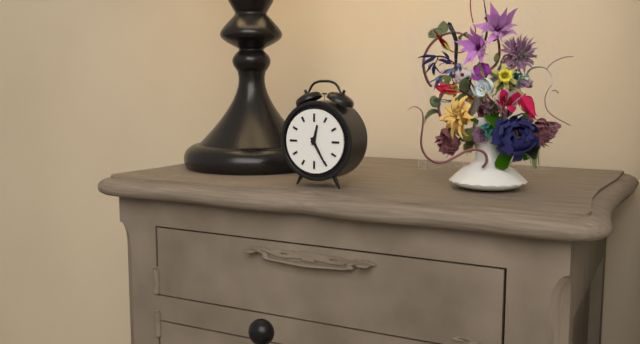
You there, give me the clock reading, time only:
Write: 12:25
